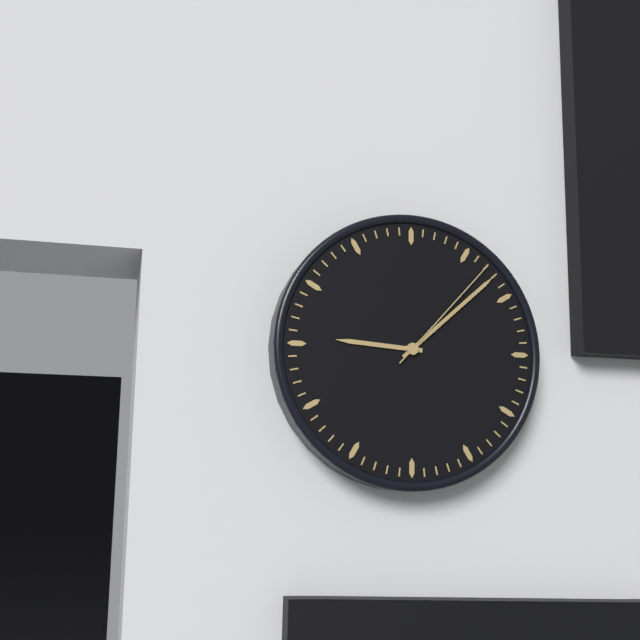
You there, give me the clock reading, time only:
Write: 9:08:07
